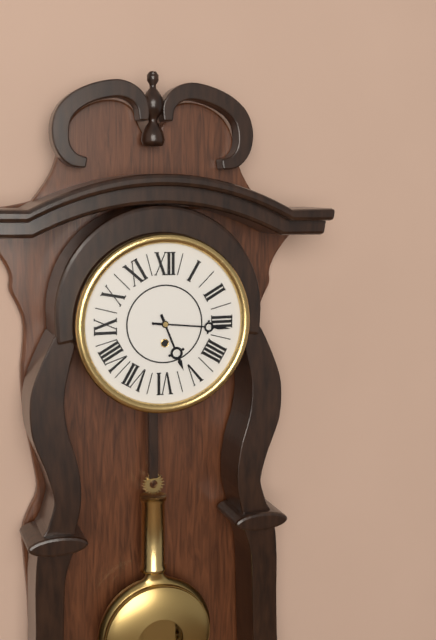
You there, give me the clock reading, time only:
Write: 5:16
